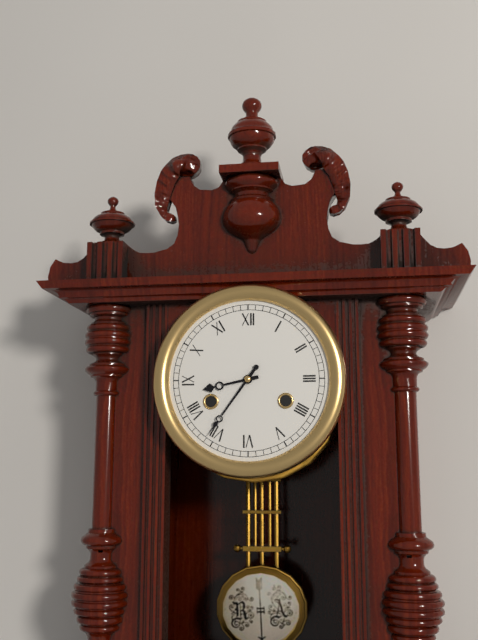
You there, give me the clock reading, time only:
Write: 8:36
